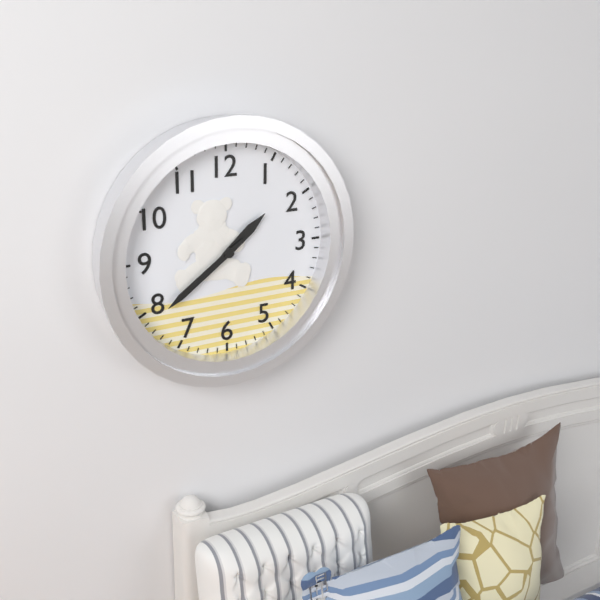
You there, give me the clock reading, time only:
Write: 1:39
